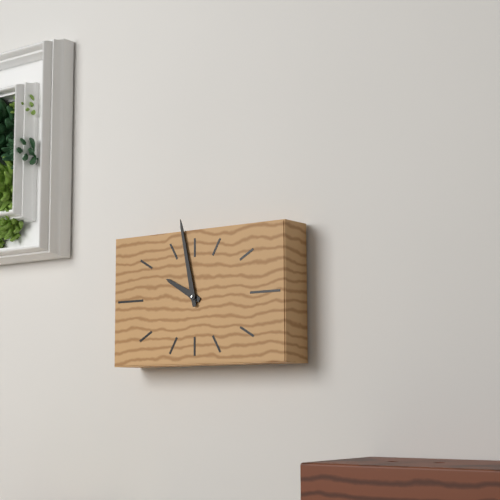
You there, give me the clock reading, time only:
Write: 9:58
